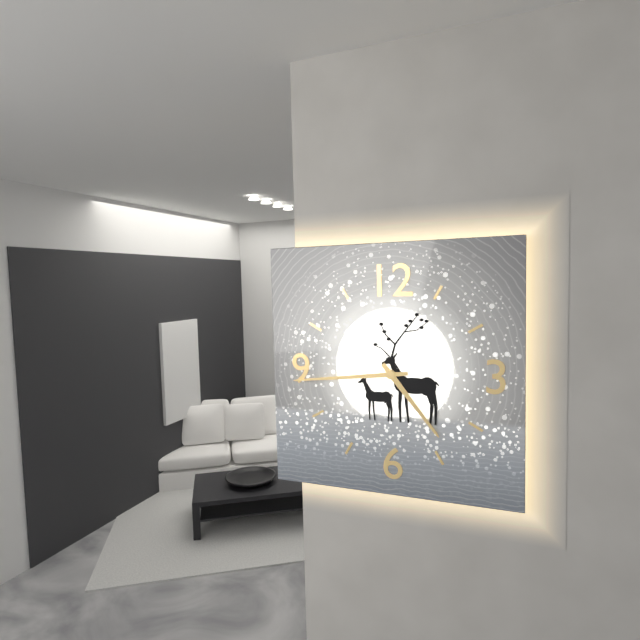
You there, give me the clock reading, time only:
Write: 4:44
